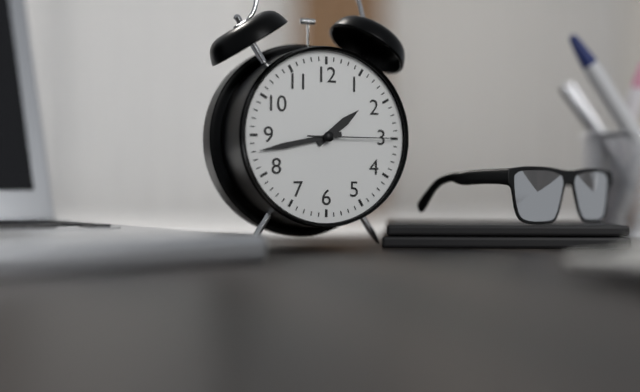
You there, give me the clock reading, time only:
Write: 1:43:15
